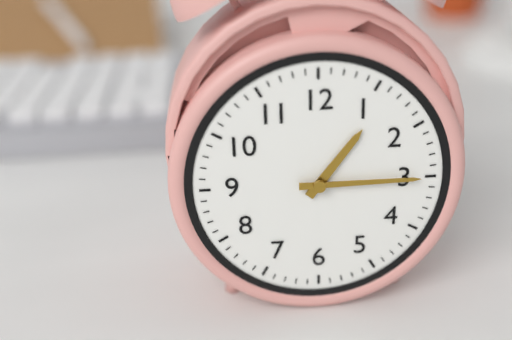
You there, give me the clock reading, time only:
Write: 1:15
